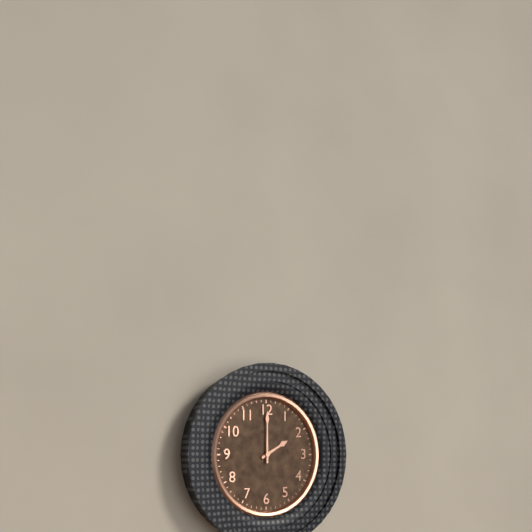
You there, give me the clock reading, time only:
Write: 2:00
